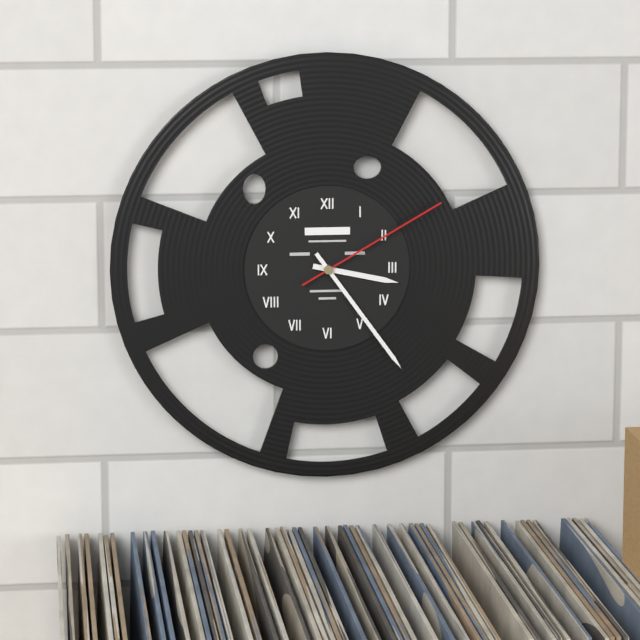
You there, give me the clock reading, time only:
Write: 3:24:10
